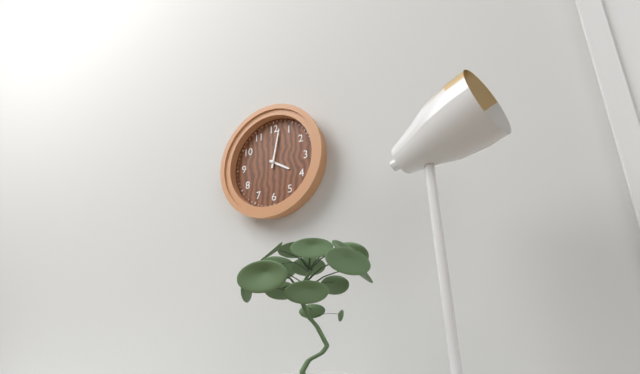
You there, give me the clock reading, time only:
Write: 4:02
